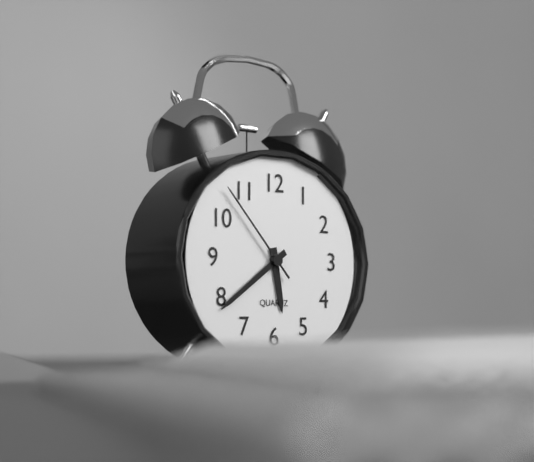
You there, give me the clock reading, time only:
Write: 5:39:53
